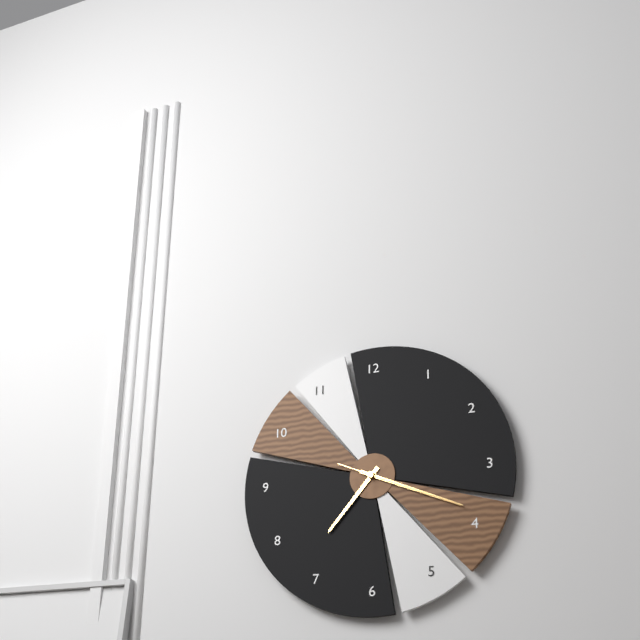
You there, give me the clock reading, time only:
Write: 7:19:19
